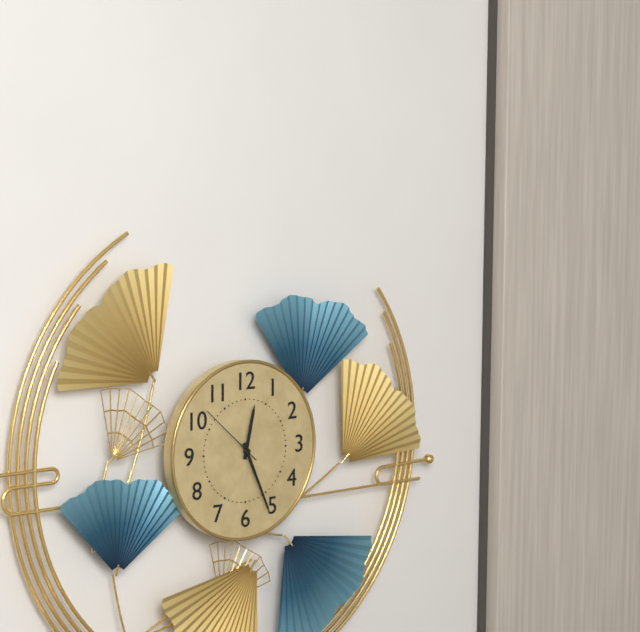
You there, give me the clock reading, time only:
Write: 12:26:52
